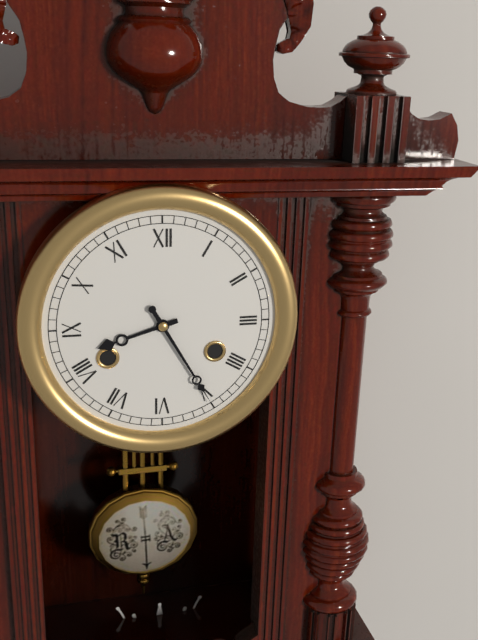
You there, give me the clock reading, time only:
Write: 8:25
